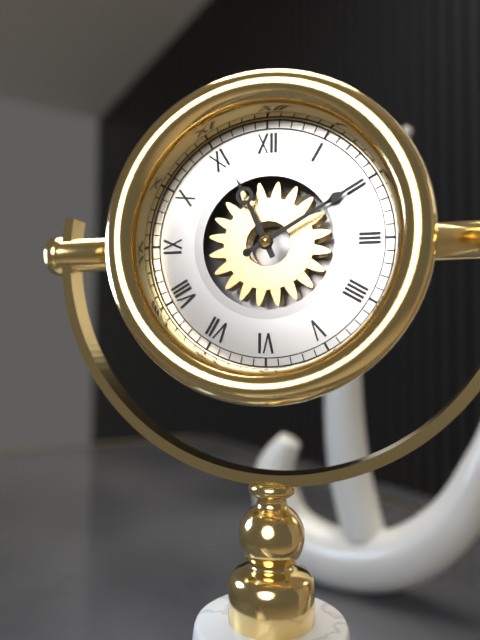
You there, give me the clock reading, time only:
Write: 11:10
